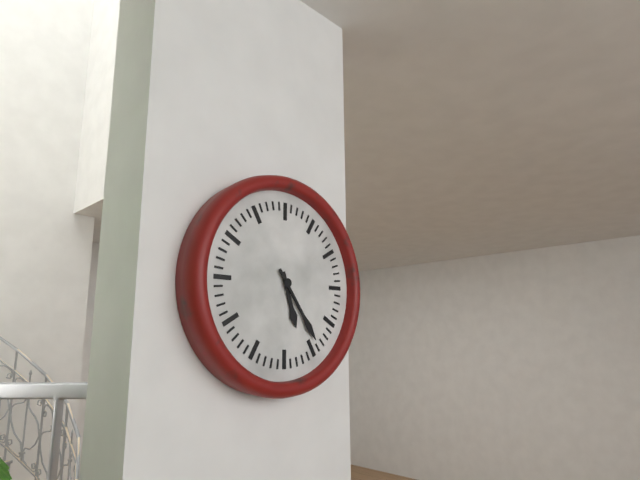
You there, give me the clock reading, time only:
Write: 5:24
